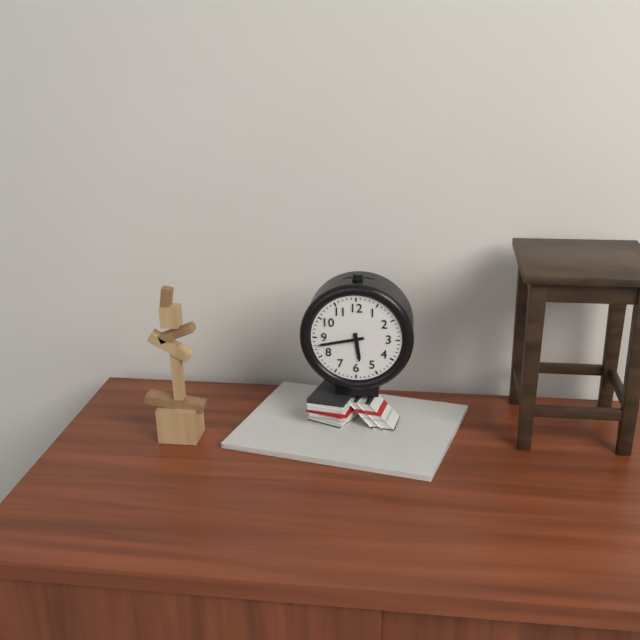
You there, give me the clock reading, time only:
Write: 5:43
